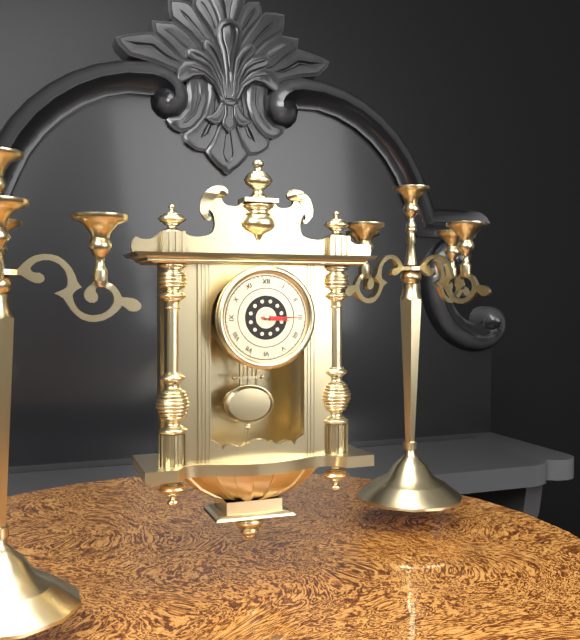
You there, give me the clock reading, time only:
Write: 3:15
